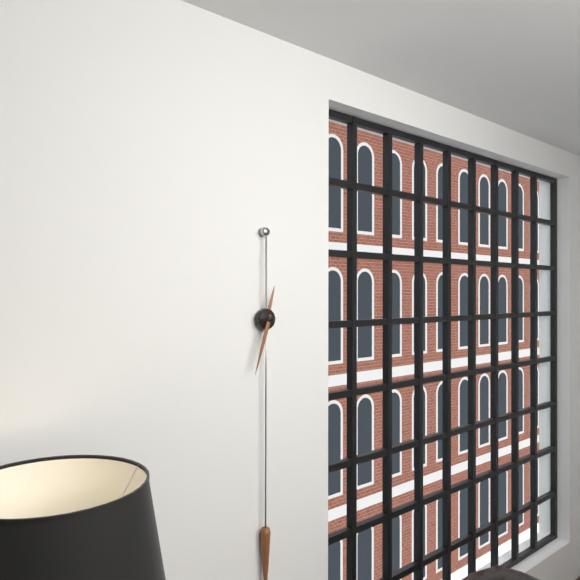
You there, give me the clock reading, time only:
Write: 12:33
